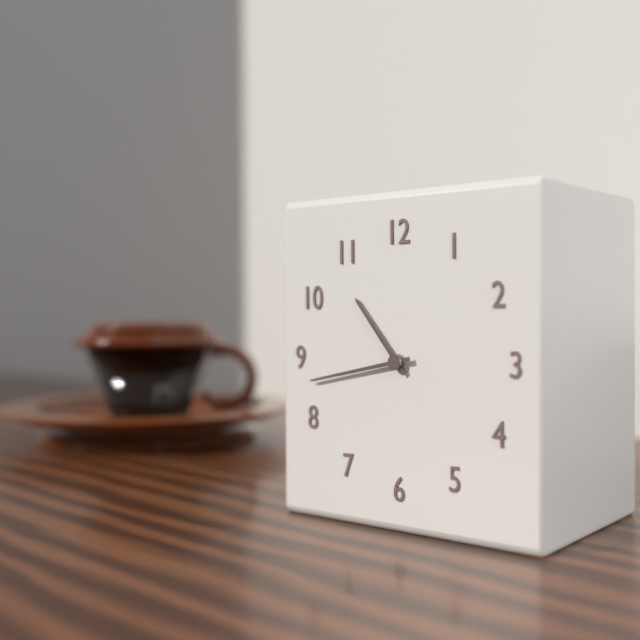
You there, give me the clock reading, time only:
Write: 10:43
